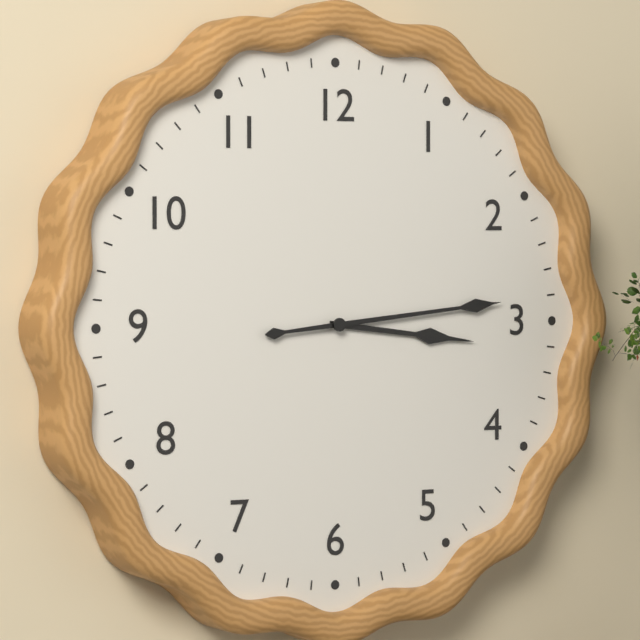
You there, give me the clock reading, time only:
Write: 3:14
